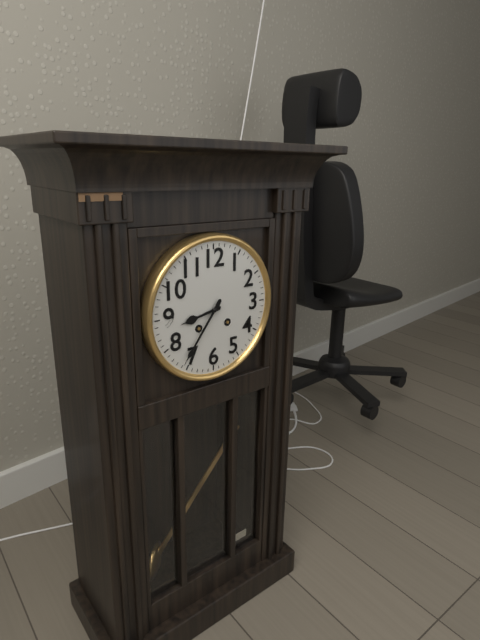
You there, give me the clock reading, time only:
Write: 8:36
